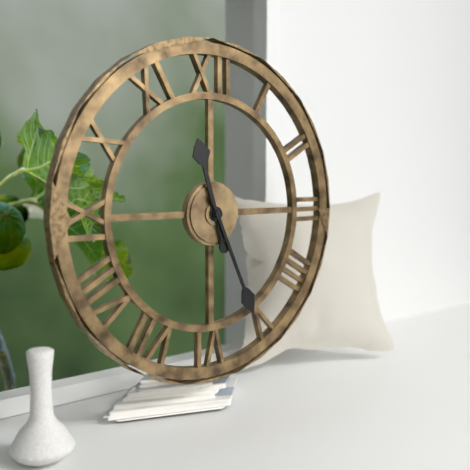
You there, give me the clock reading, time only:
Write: 11:26
